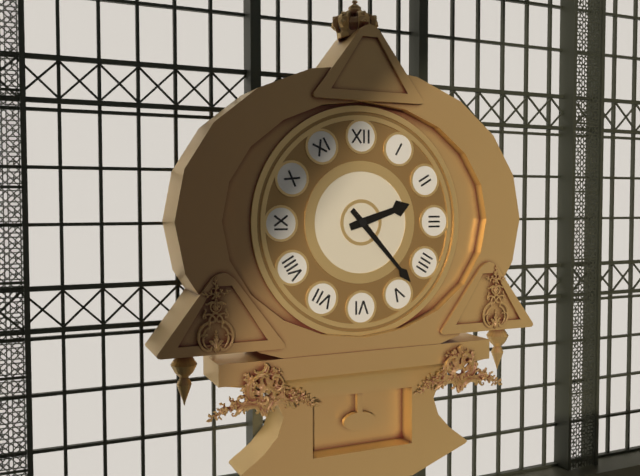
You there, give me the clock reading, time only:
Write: 2:23
